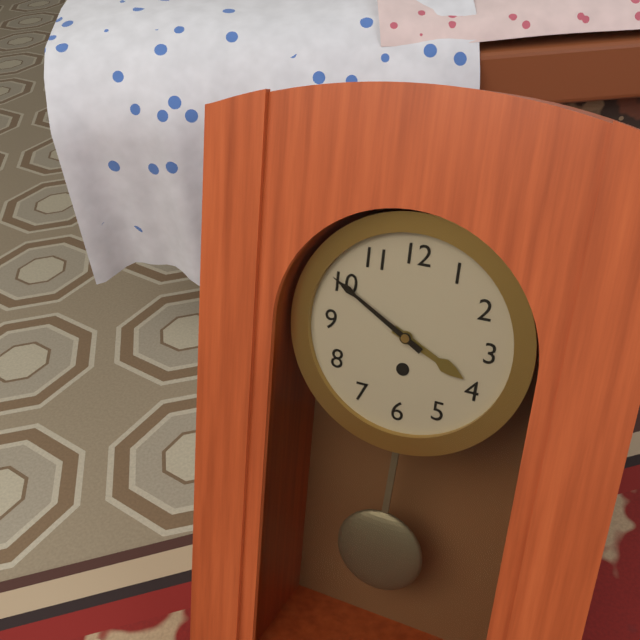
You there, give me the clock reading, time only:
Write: 3:50
